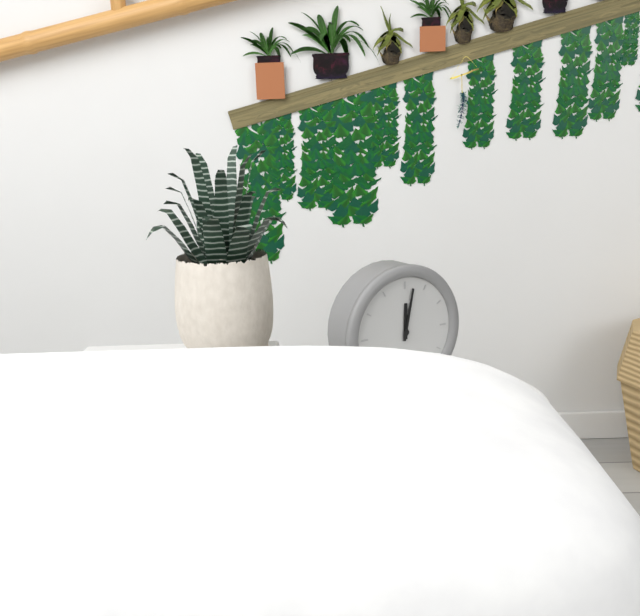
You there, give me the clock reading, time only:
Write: 12:02
